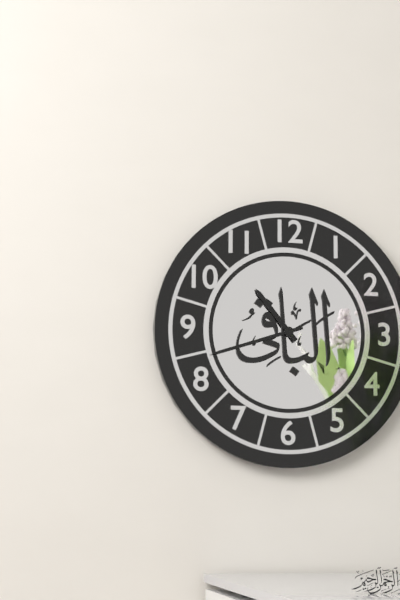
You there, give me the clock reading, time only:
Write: 10:42
